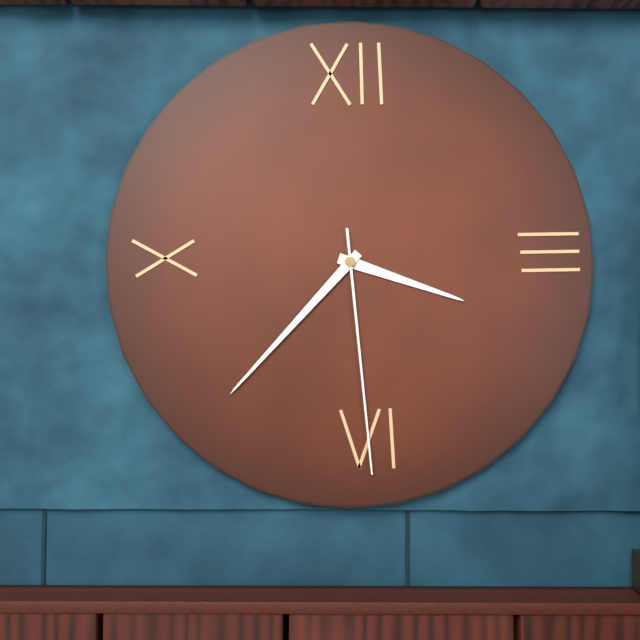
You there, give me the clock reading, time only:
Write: 3:37:29
